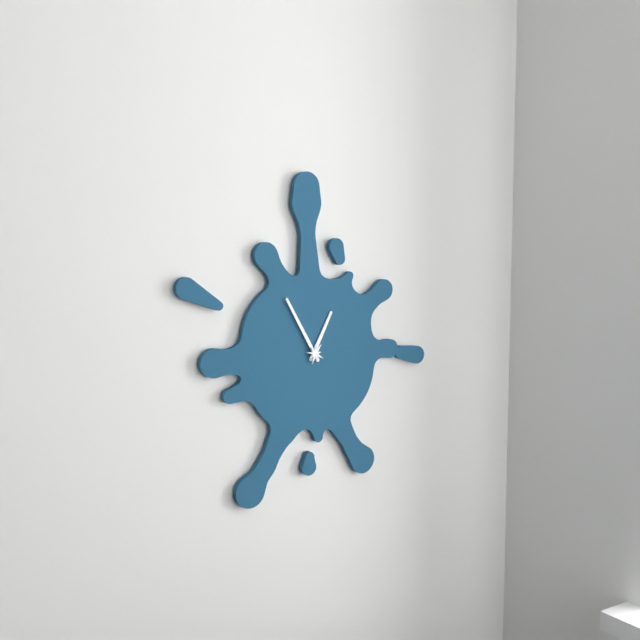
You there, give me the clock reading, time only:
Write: 12:55
